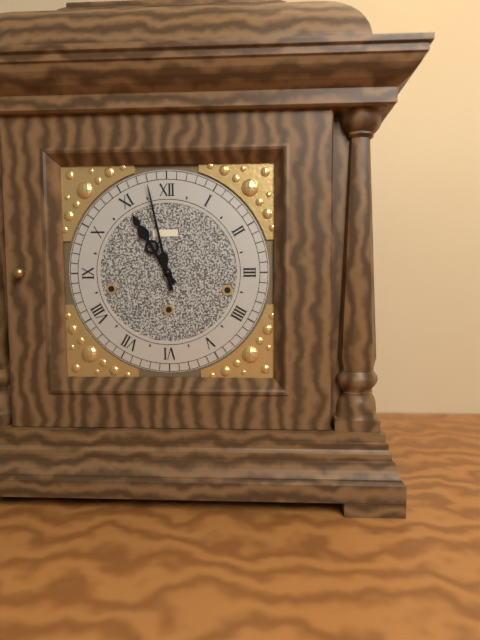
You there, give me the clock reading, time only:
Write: 10:58
